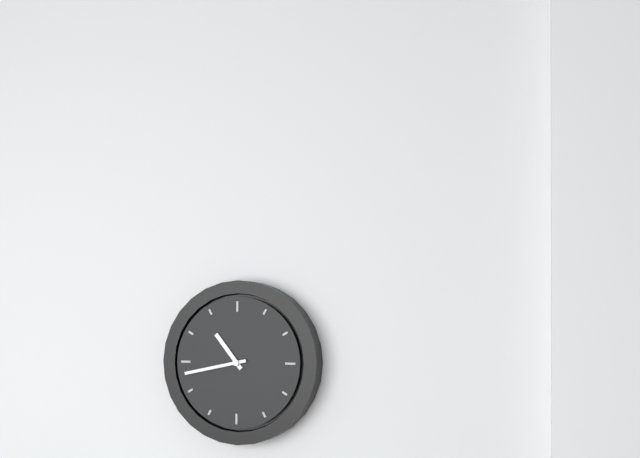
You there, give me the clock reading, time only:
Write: 10:43
